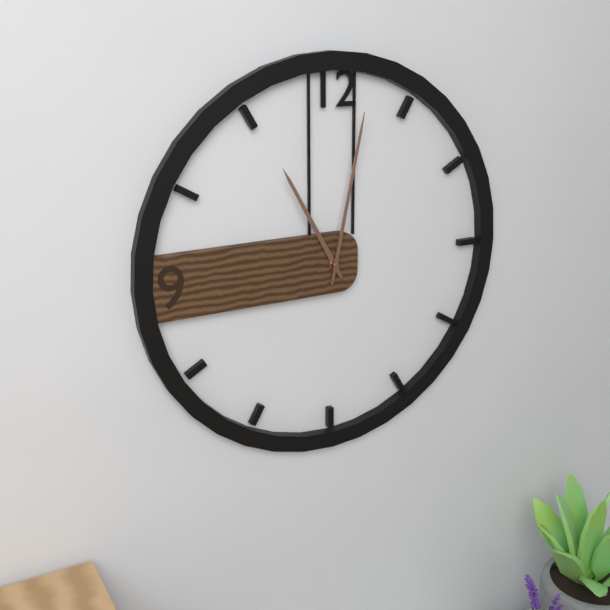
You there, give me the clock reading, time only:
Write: 11:02
